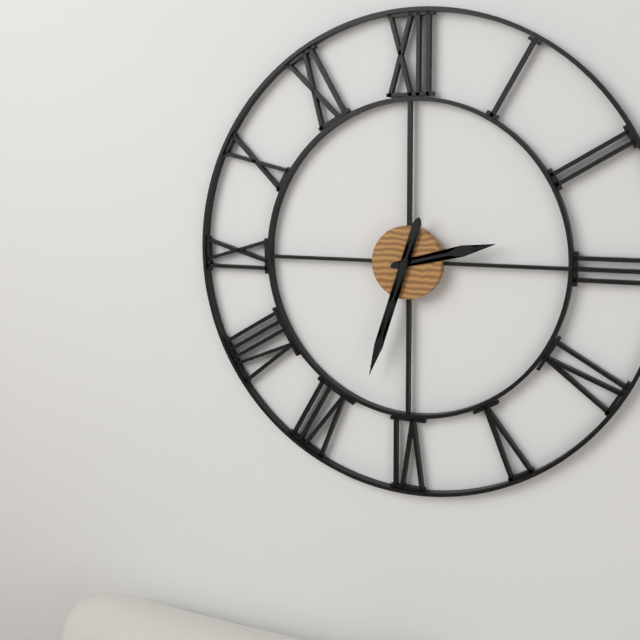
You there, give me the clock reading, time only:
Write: 2:33
